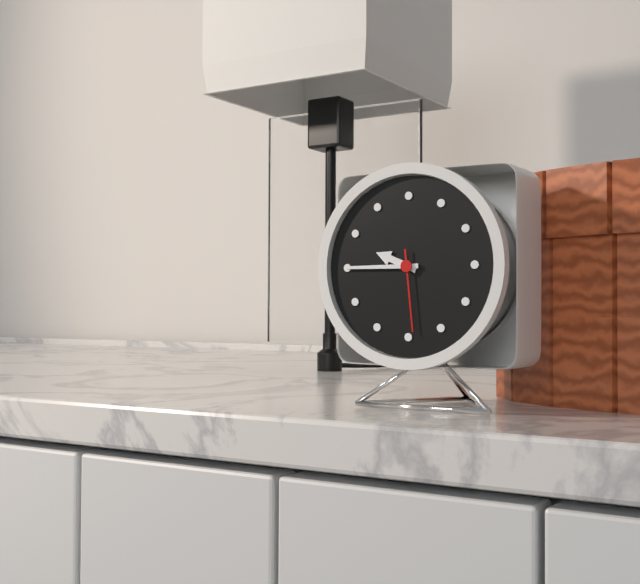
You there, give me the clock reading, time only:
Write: 9:45:29
